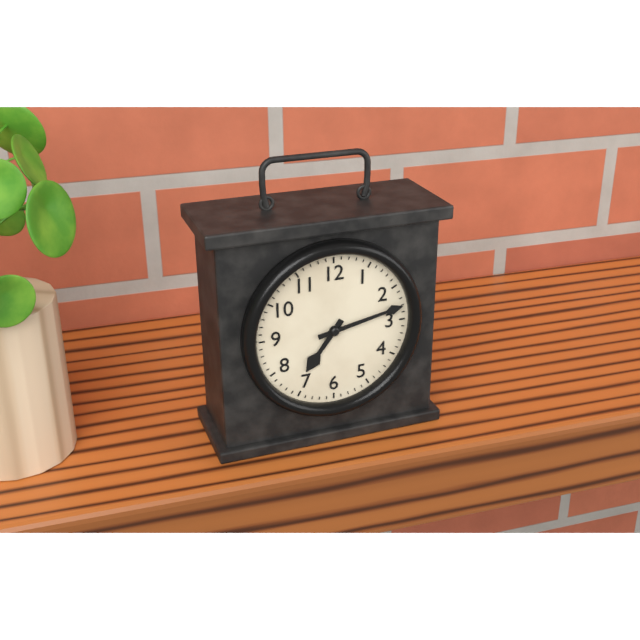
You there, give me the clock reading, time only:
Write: 7:13
